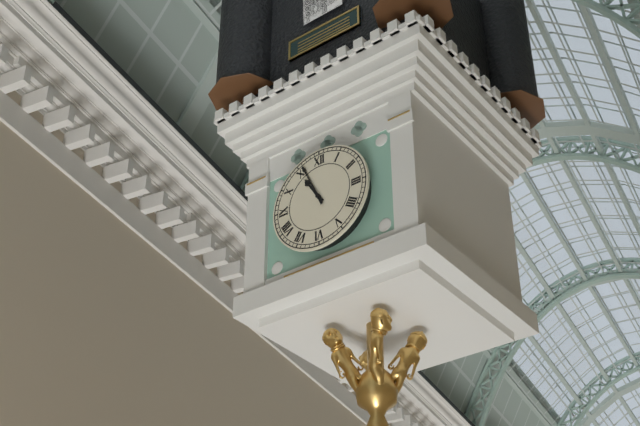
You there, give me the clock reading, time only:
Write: 10:56
